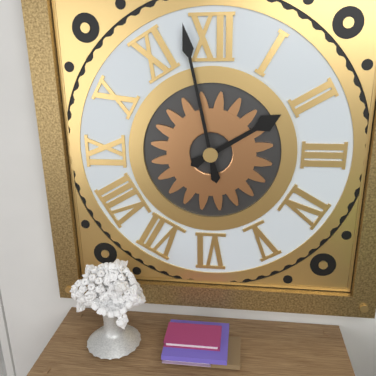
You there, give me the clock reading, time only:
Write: 1:58
